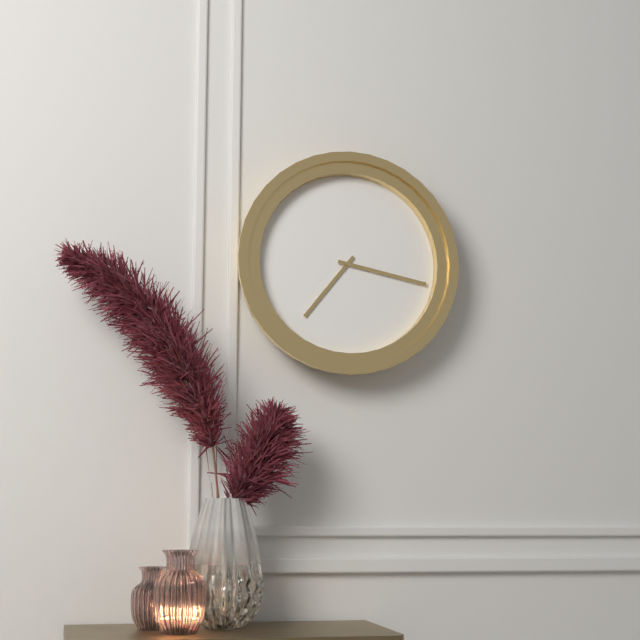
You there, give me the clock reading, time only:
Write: 7:17
